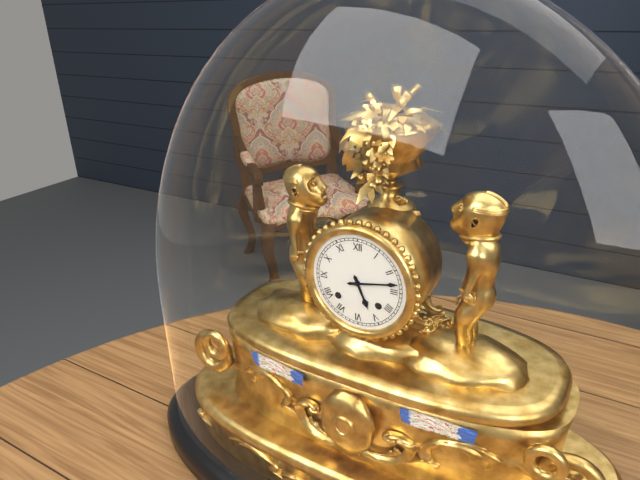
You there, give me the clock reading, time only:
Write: 5:13
